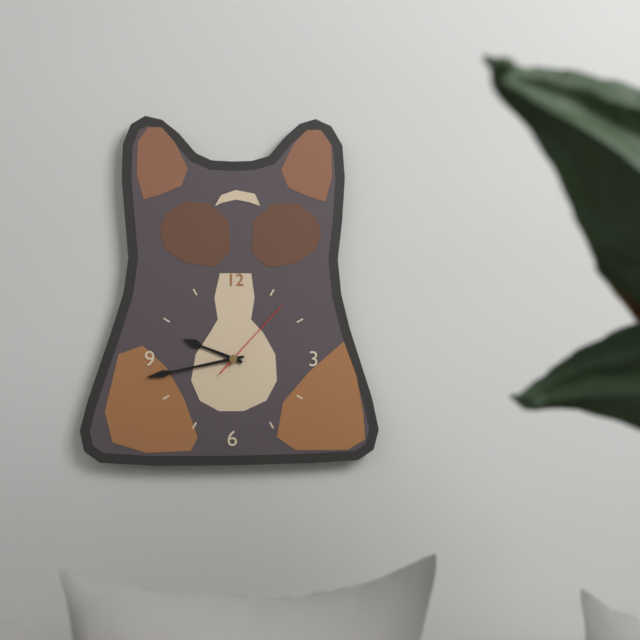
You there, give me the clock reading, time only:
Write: 9:43:07
